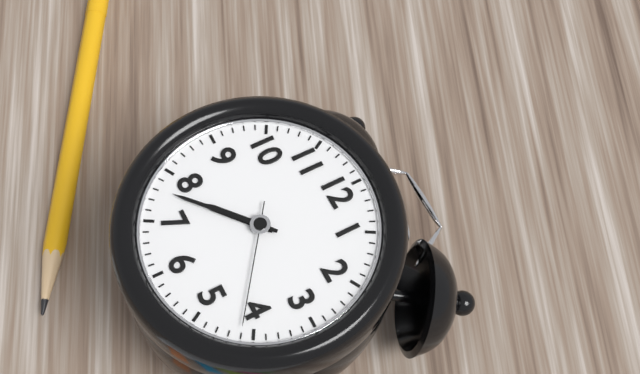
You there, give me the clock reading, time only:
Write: 7:38:21
